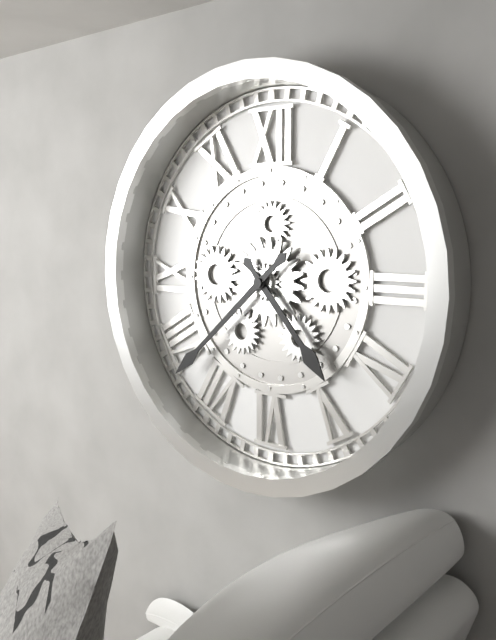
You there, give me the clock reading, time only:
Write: 4:38
